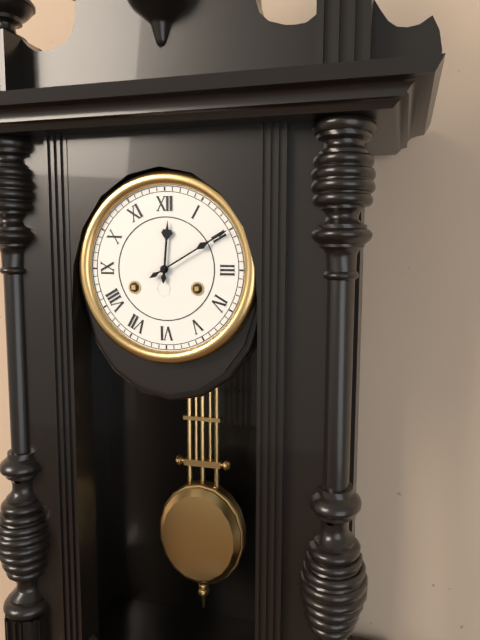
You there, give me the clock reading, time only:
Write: 12:10
